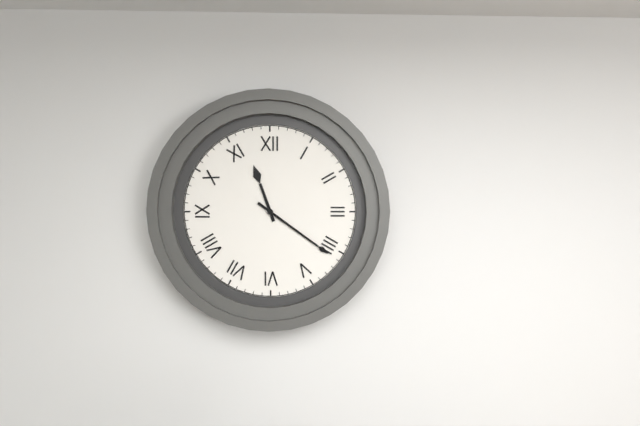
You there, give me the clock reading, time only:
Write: 11:21
